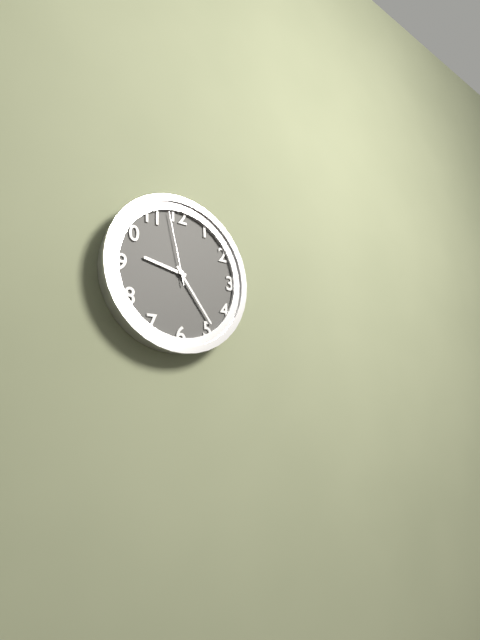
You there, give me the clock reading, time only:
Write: 9:24:58
